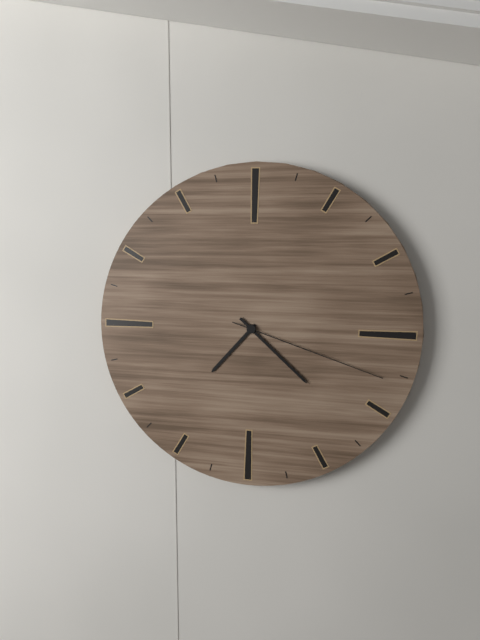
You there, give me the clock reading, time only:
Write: 7:22:18
